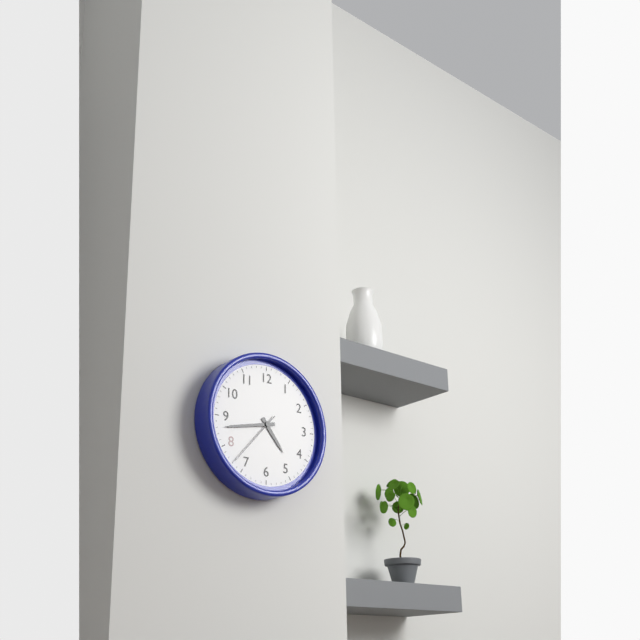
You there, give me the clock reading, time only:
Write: 4:43:37
